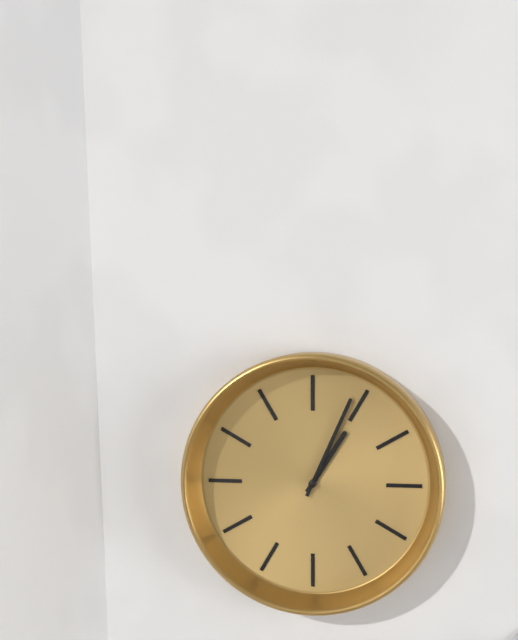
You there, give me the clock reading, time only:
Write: 1:04
